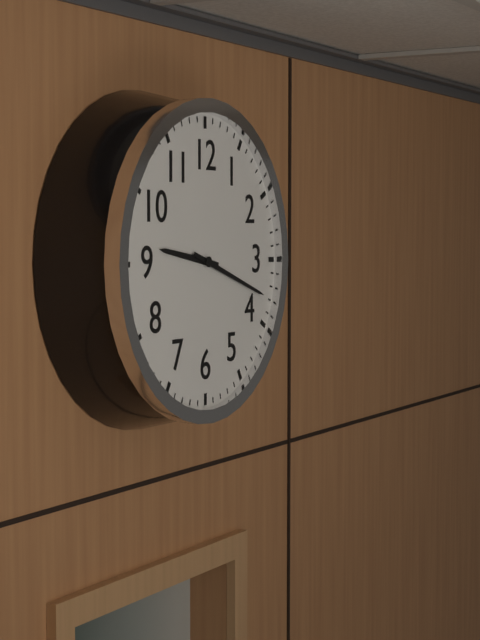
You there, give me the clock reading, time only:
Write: 9:18
